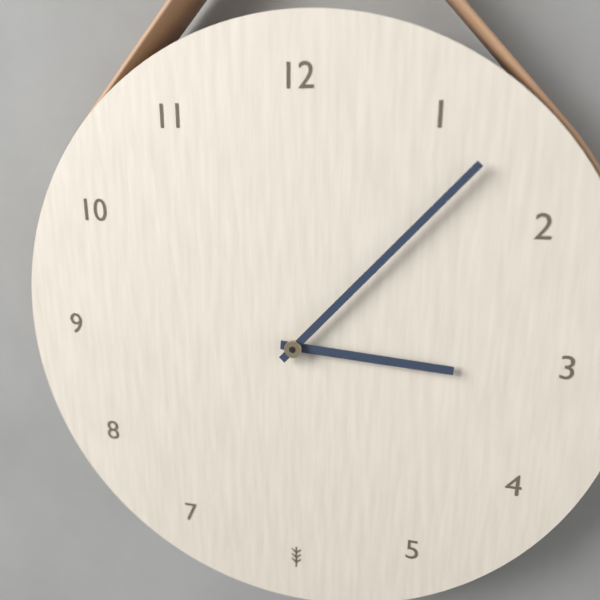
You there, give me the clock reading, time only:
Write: 3:07
